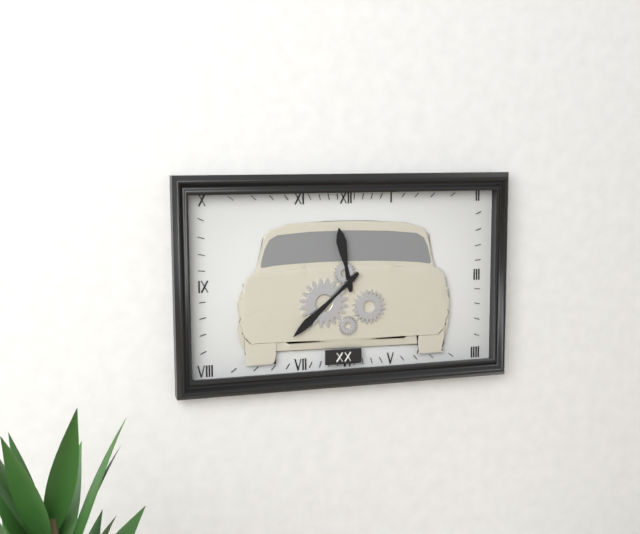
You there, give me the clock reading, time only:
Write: 11:38
